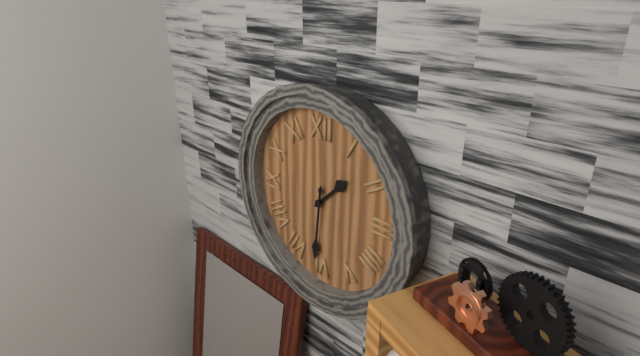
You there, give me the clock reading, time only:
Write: 1:31
